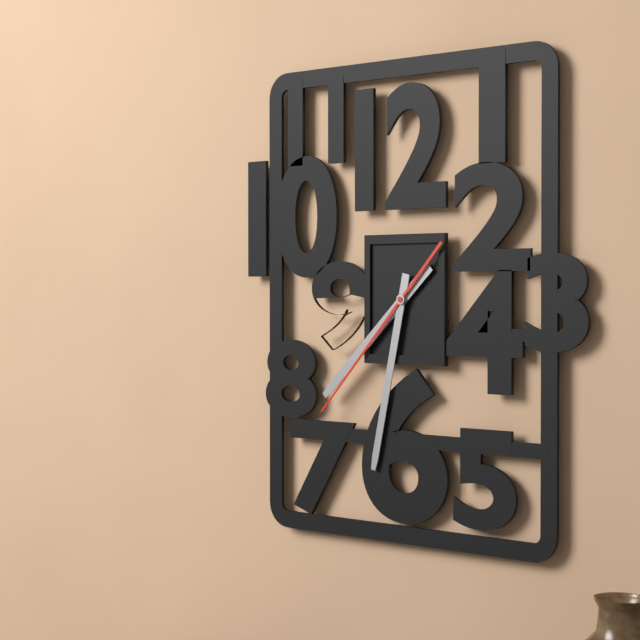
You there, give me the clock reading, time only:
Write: 7:32:37
